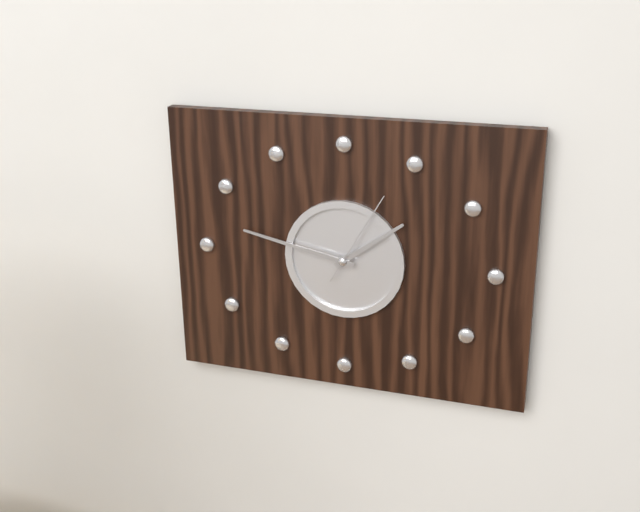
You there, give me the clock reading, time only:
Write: 1:47:05
